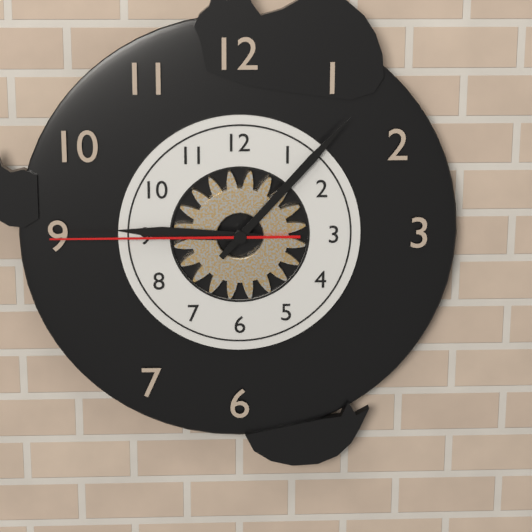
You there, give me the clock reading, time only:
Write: 9:07:45
